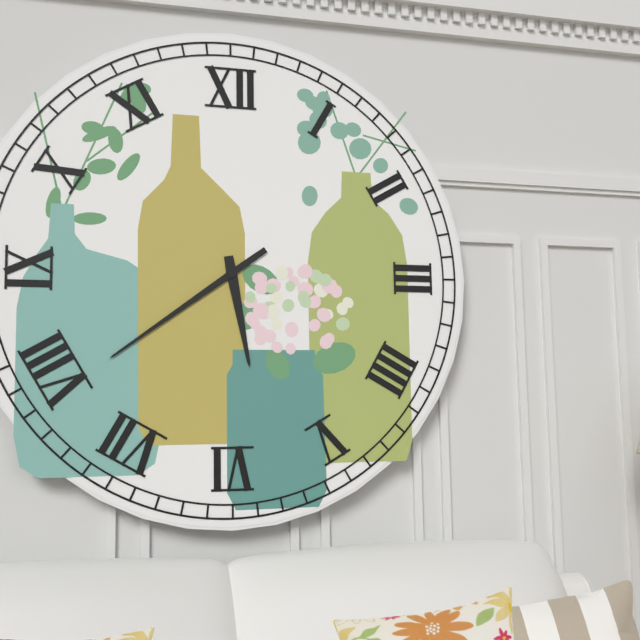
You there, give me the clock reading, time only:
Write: 5:39
